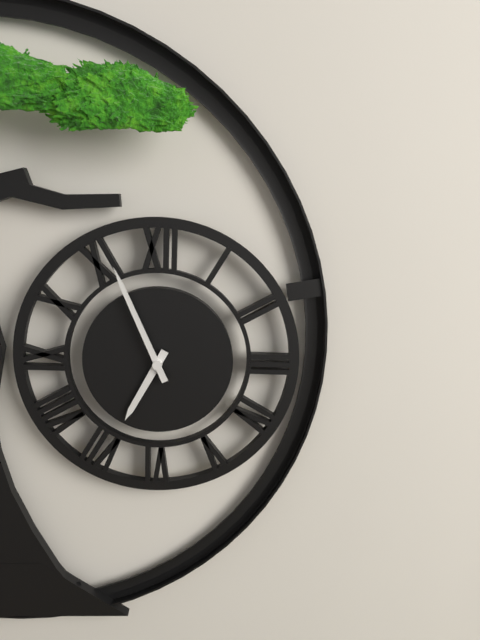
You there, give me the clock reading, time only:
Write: 6:56
